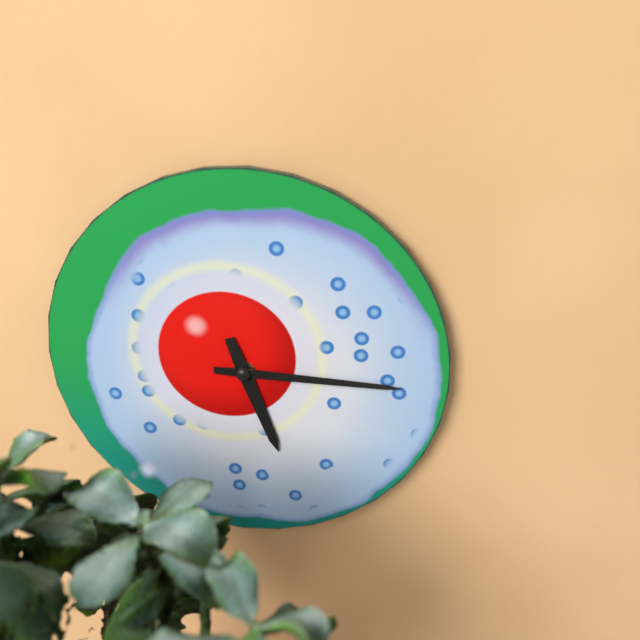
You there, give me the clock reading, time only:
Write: 5:15
